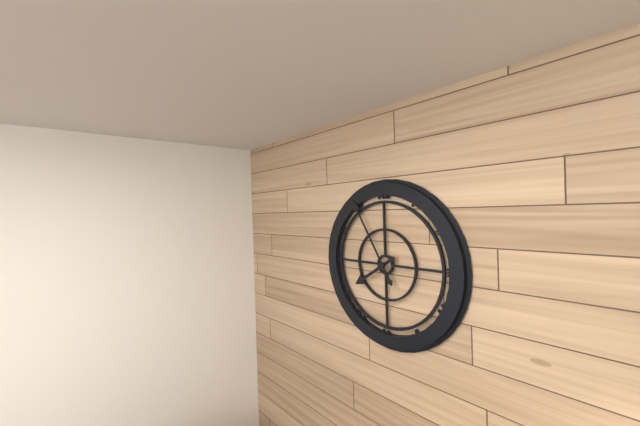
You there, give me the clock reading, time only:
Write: 7:55
